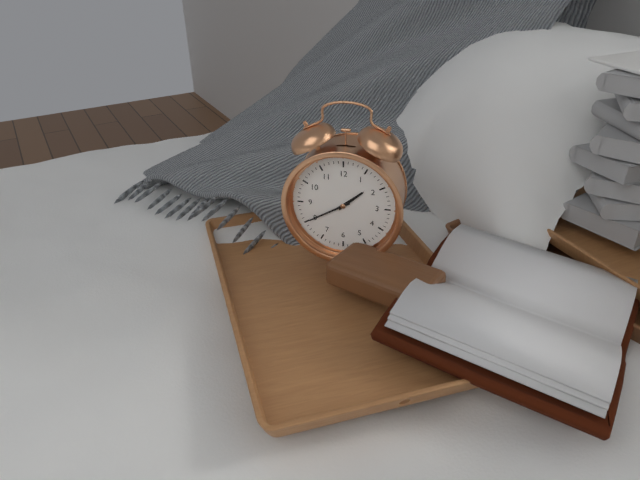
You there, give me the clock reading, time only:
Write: 1:40
